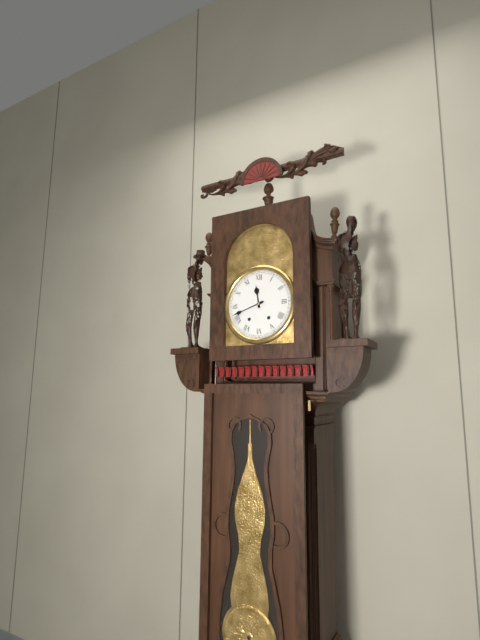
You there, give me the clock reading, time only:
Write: 11:42
